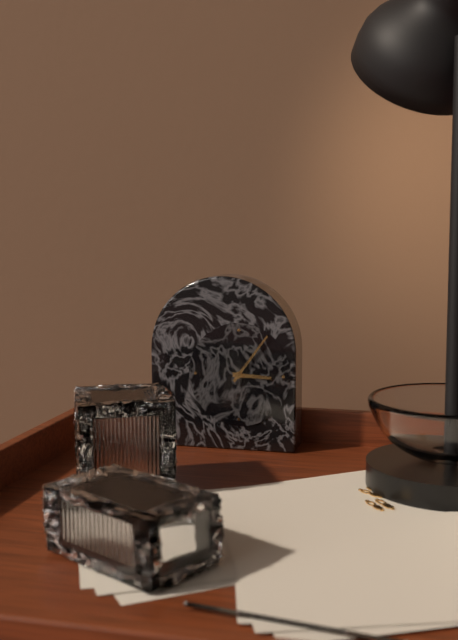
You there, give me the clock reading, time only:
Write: 3:06
